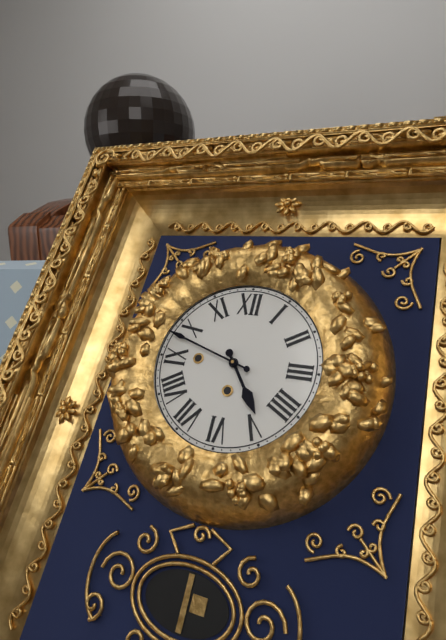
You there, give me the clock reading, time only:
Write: 4:48
